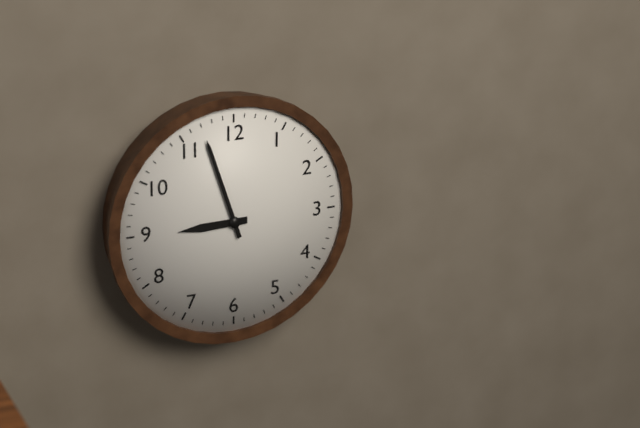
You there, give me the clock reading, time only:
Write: 8:57
